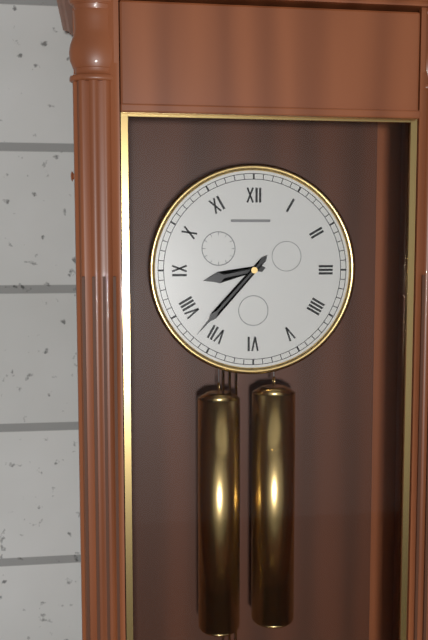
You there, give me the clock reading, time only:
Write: 8:37
